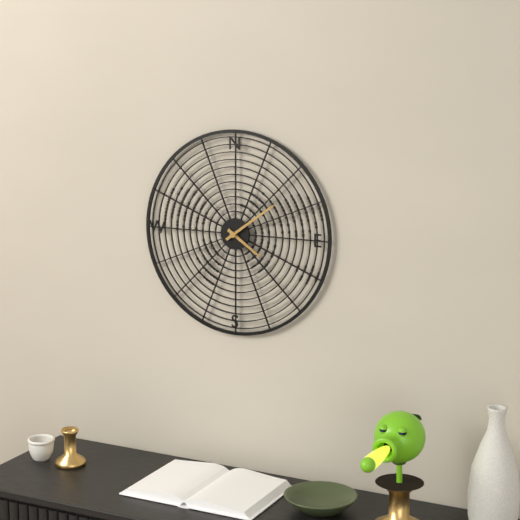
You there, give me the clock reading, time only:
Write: 4:09
